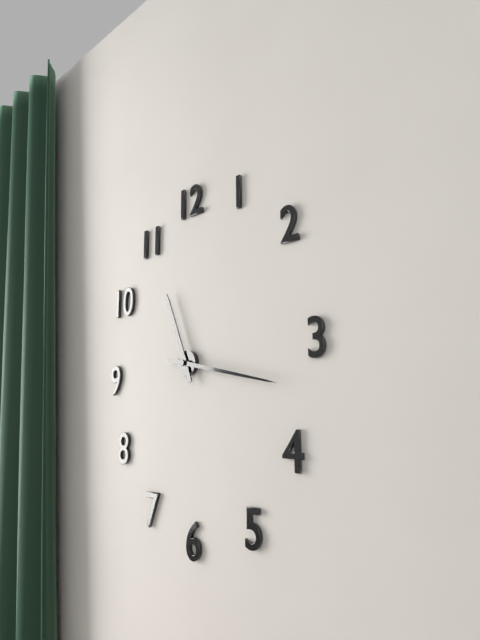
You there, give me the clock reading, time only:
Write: 11:17
